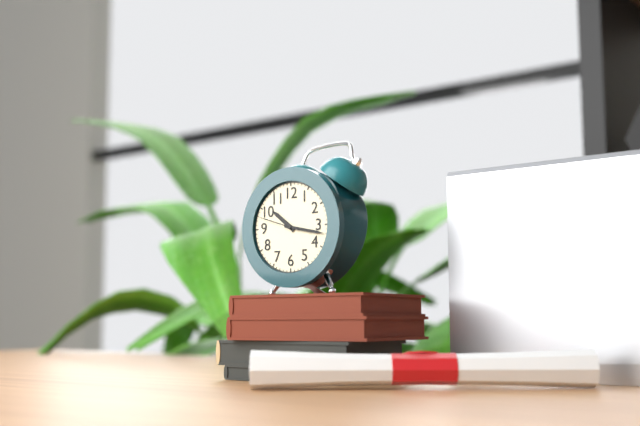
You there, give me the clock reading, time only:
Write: 10:17
